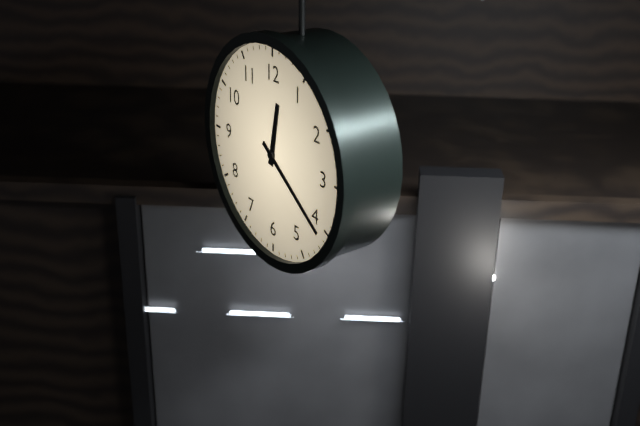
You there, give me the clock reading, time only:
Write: 12:21
